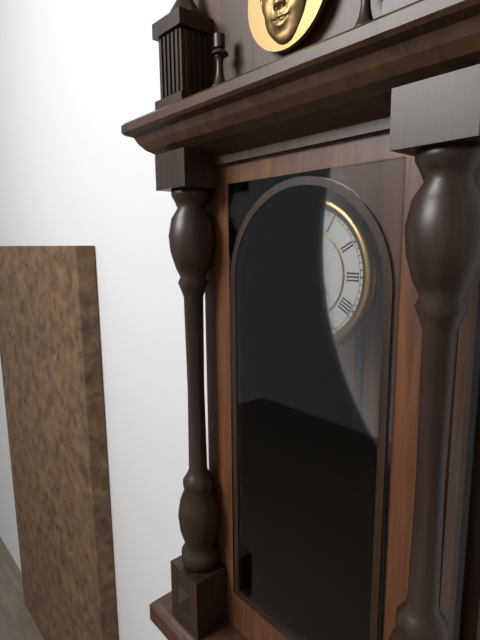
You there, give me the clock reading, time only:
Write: 5:36
